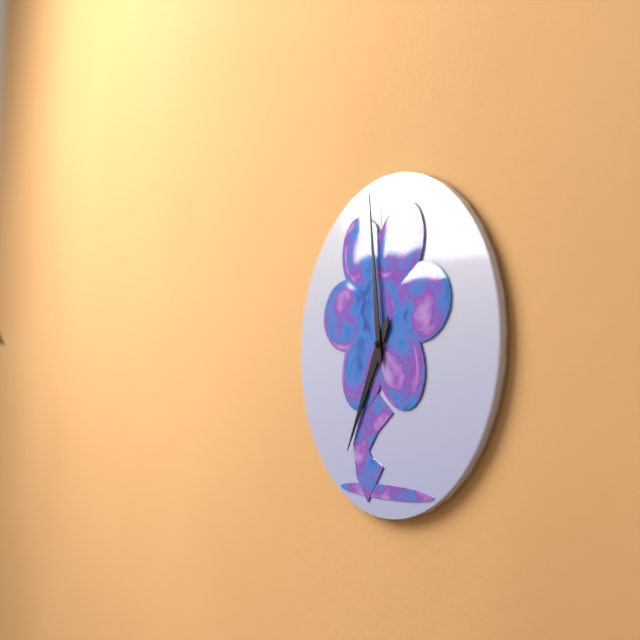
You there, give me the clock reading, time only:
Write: 6:59
